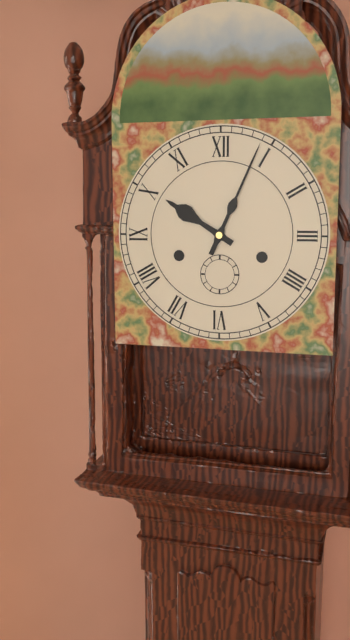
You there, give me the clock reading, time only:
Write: 10:04
